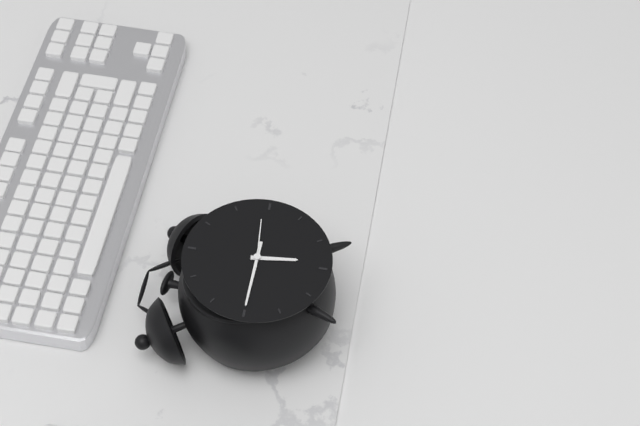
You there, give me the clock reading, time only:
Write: 5:45
